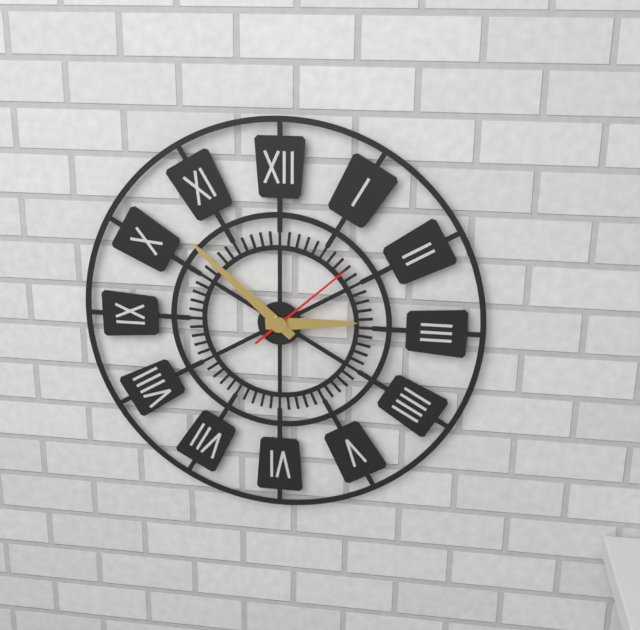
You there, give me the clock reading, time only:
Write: 2:52:08
